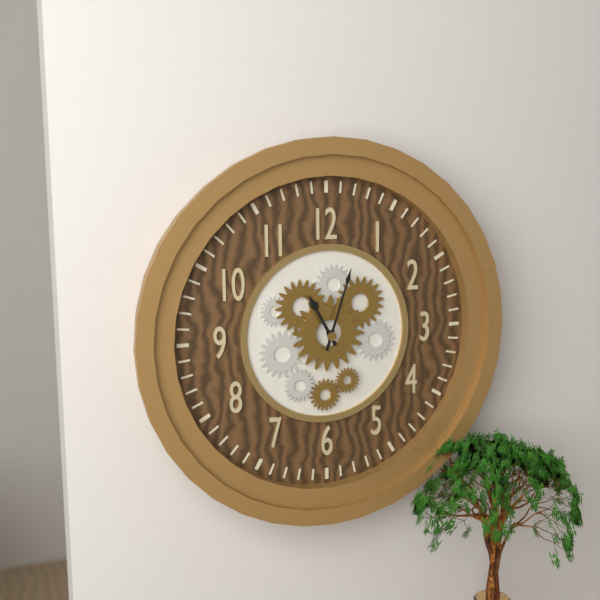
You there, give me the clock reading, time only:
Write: 11:03
